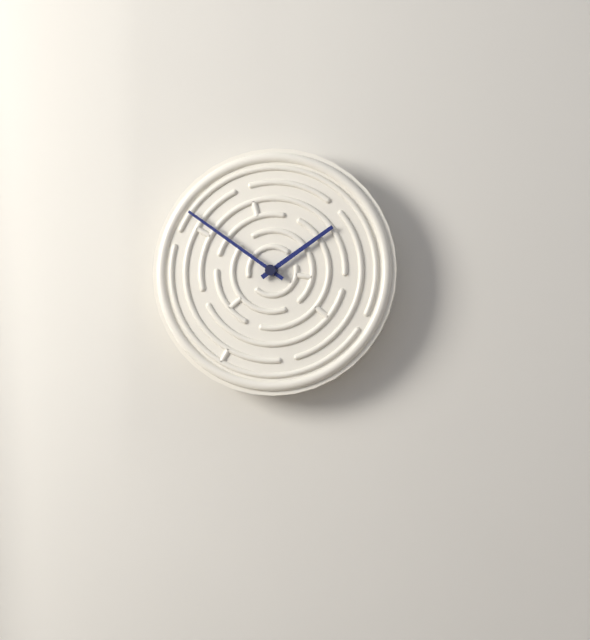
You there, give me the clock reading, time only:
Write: 1:51
